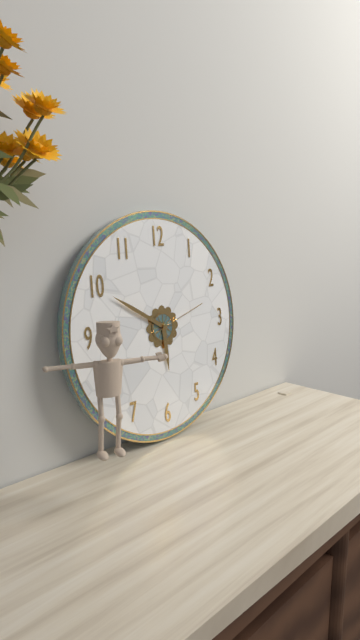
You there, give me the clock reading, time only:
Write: 5:50:12
